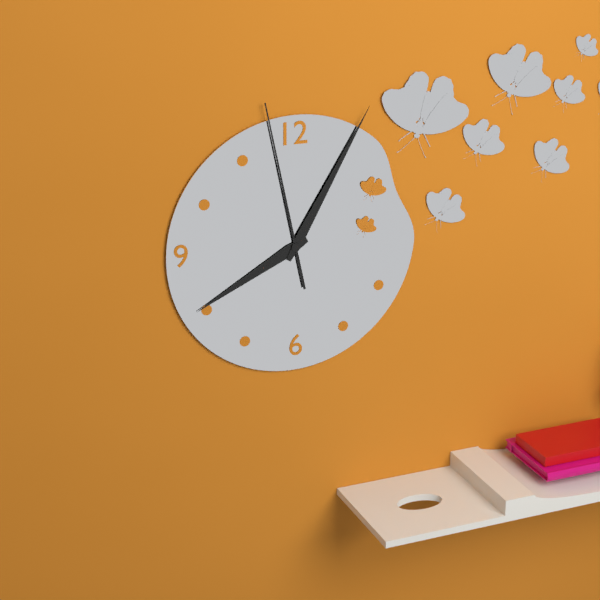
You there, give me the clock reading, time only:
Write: 8:05:58
